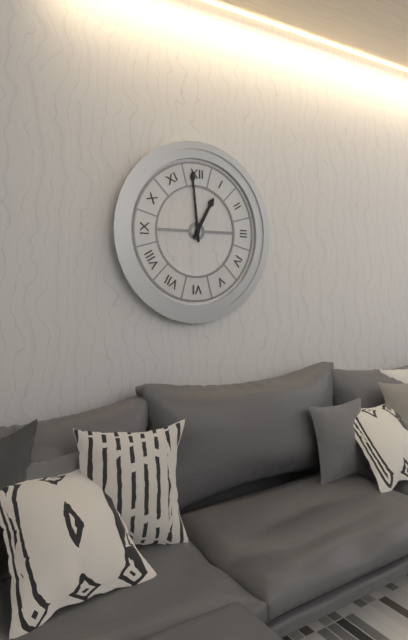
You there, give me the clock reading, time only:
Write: 12:59
